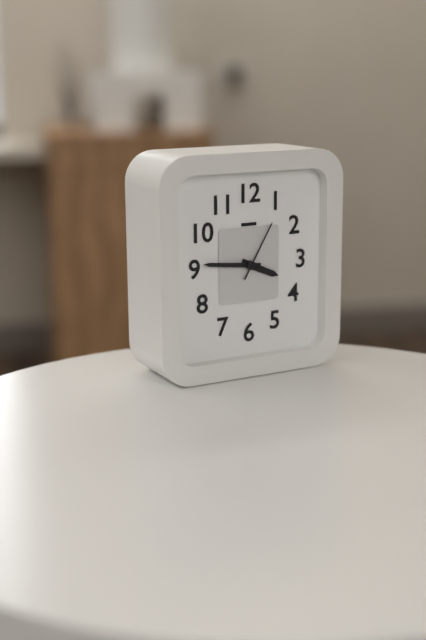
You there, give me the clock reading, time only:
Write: 3:46:05
